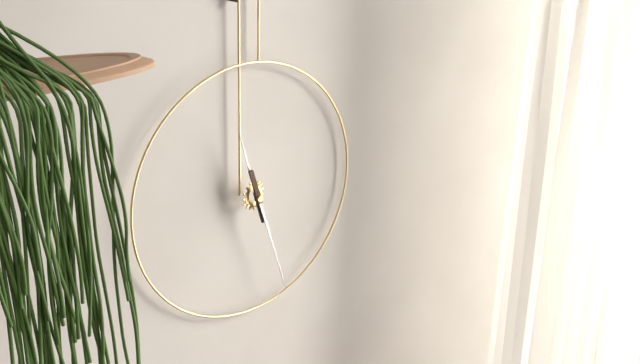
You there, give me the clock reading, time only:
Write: 11:27
